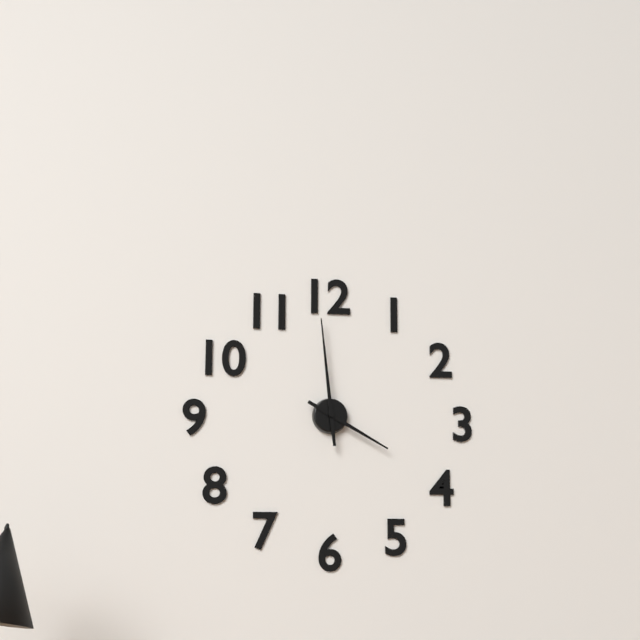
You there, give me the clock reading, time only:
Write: 3:59
